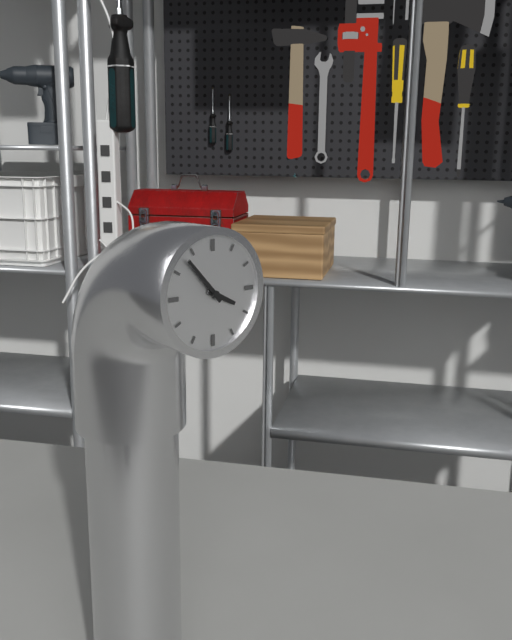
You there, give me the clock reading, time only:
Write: 3:53
